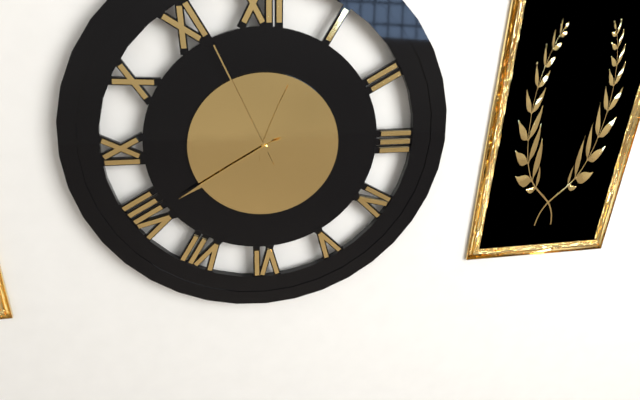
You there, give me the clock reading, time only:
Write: 12:40:56
